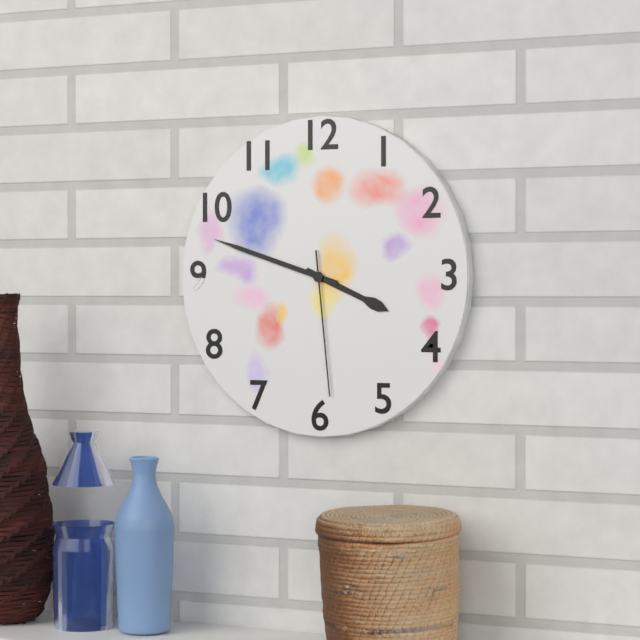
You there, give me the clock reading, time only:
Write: 3:48:29
